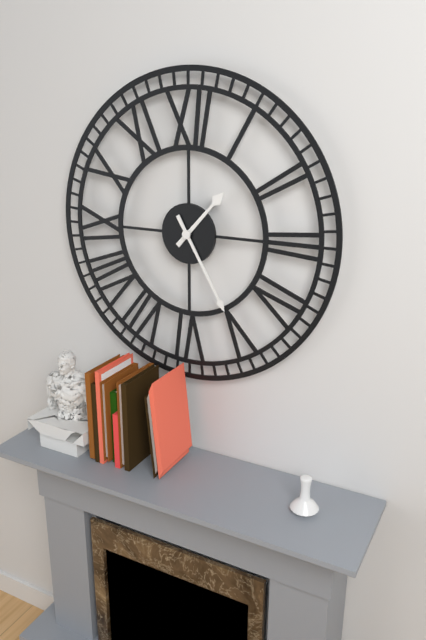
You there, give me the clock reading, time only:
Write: 1:25
